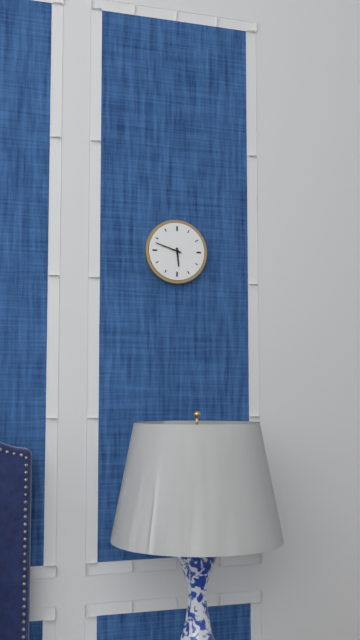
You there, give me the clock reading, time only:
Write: 5:48
